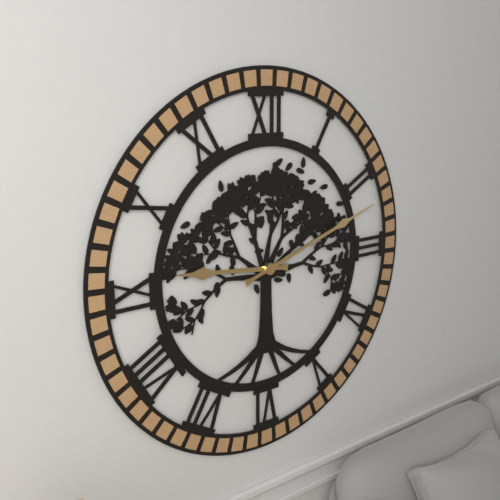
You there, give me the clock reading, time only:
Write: 9:12
